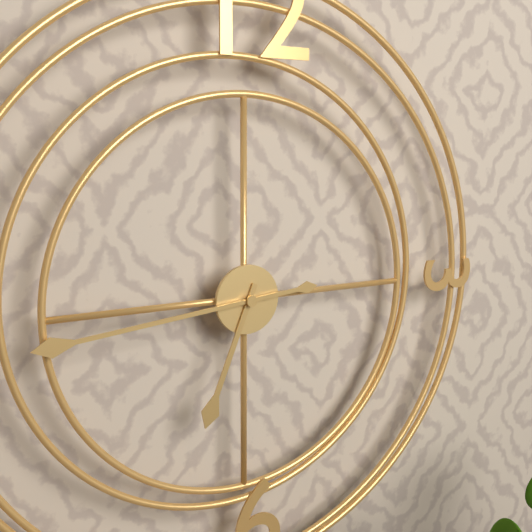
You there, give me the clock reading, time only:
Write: 6:44
